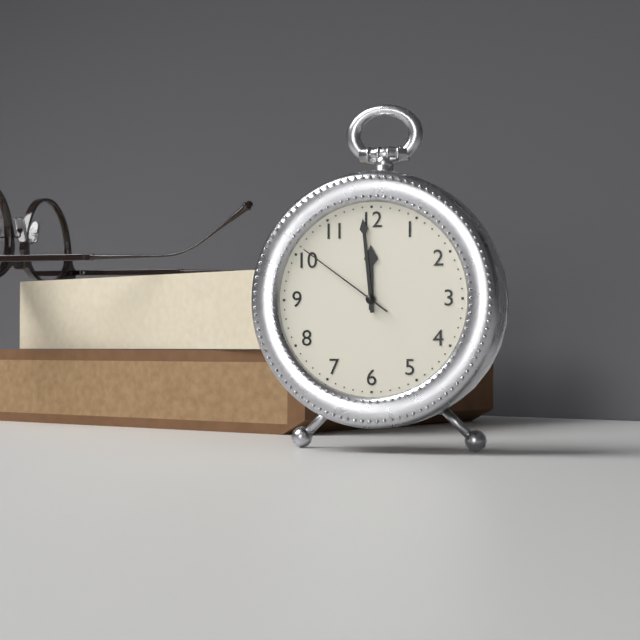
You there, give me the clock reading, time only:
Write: 11:59:51
